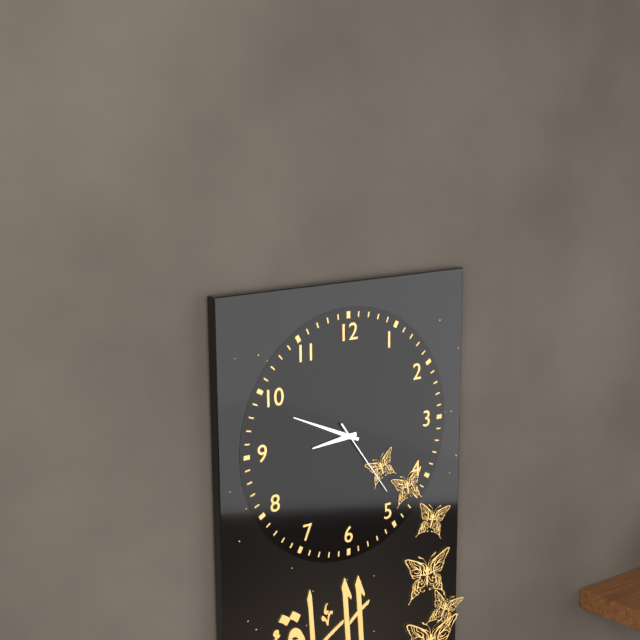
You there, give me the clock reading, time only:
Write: 8:49:24
